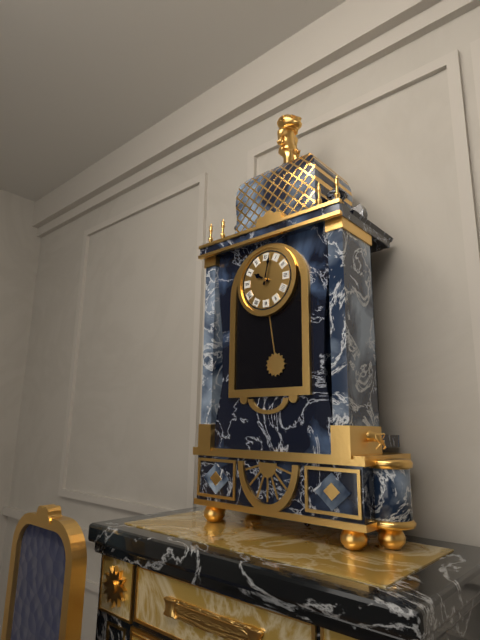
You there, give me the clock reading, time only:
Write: 10:02
